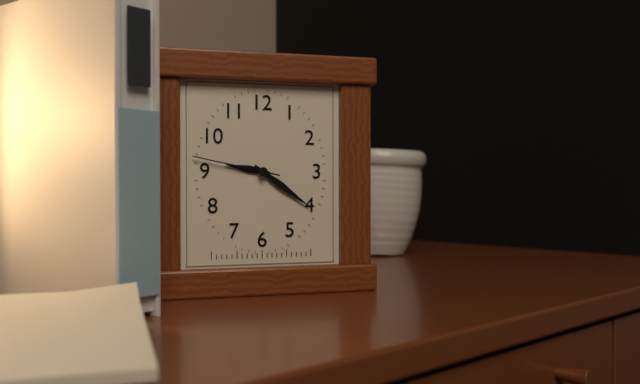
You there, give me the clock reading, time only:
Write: 9:21:47
